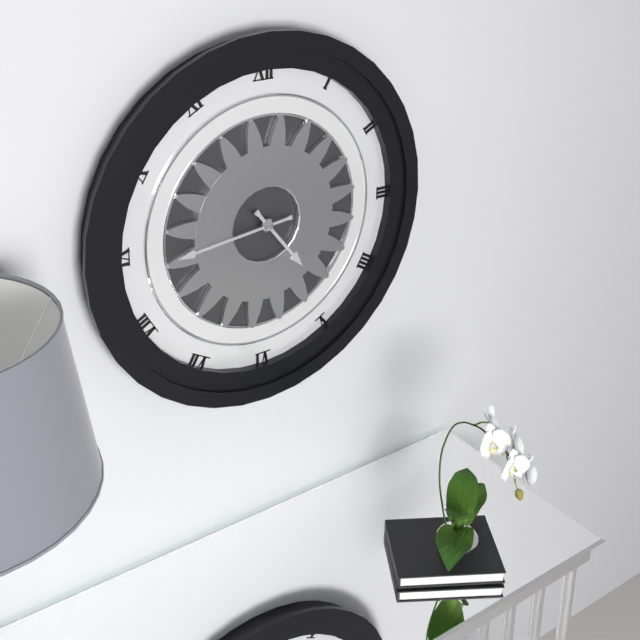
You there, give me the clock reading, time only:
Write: 4:44
